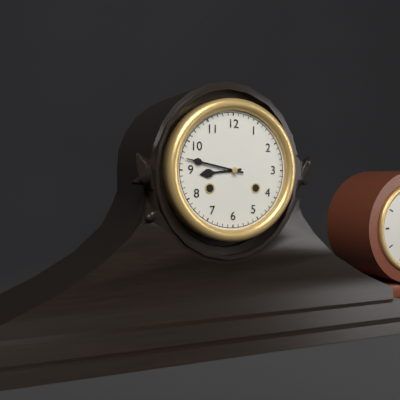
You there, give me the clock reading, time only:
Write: 8:47
